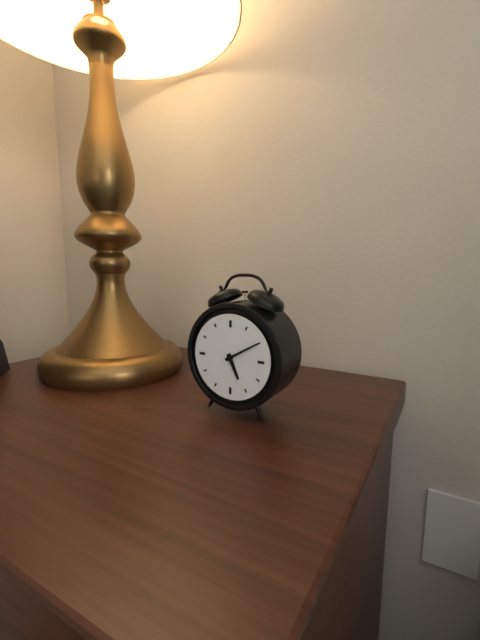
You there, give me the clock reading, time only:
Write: 5:10
